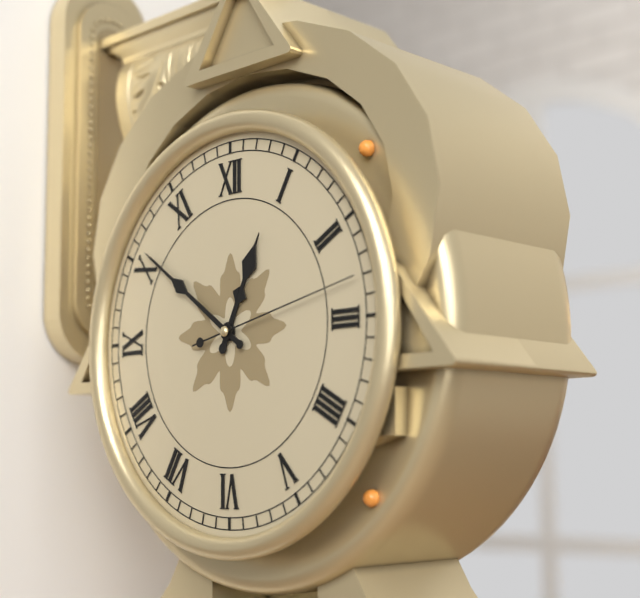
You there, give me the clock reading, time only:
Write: 12:51:13
